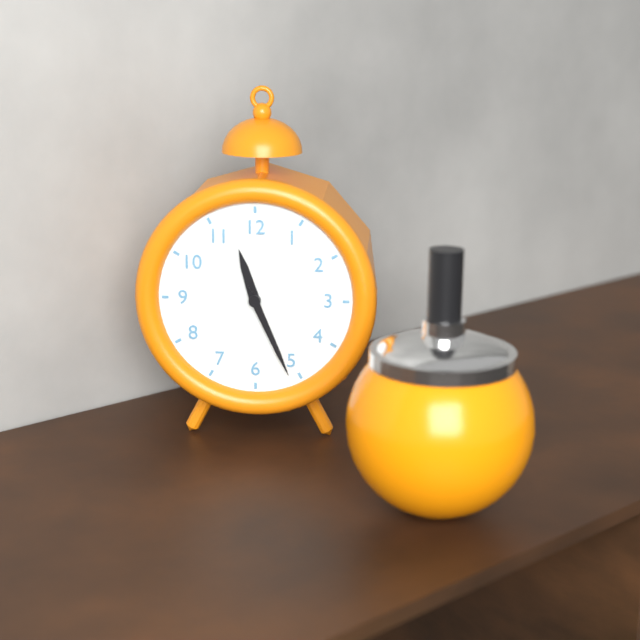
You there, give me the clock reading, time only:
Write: 11:26
